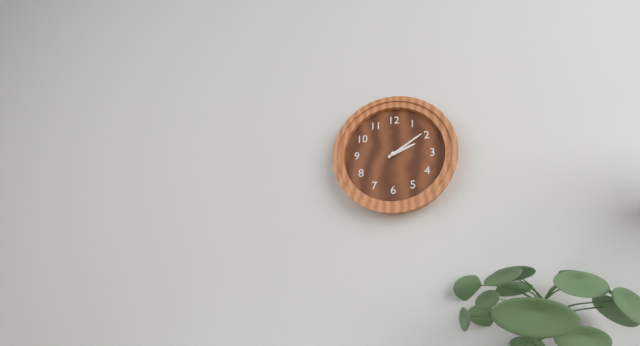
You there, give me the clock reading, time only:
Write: 2:09
